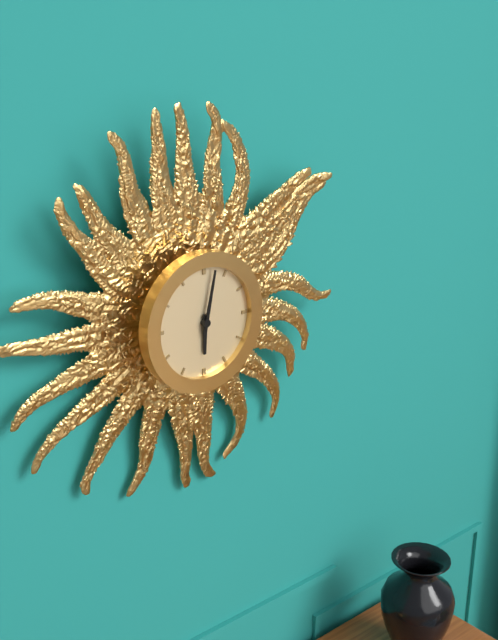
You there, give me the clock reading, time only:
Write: 6:02
